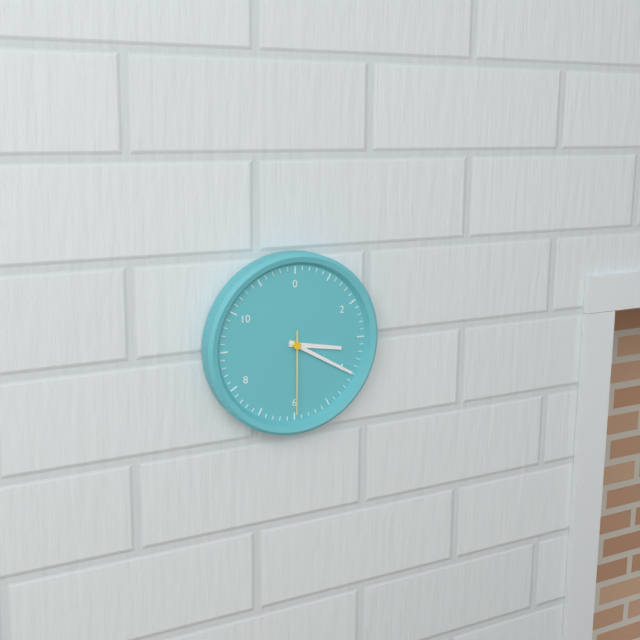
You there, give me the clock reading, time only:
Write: 3:20:30
